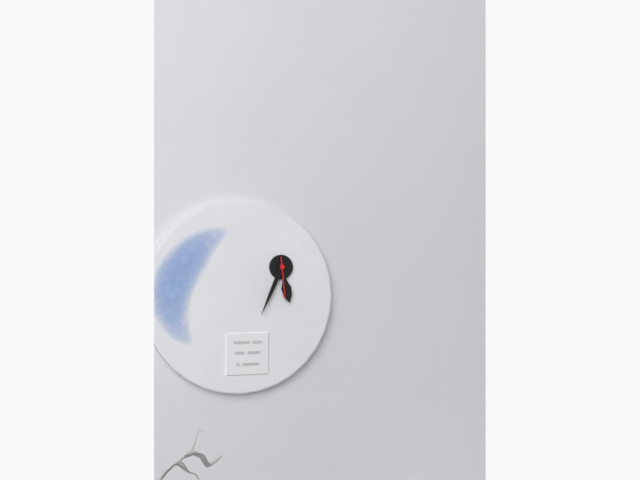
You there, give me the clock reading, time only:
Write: 5:34
